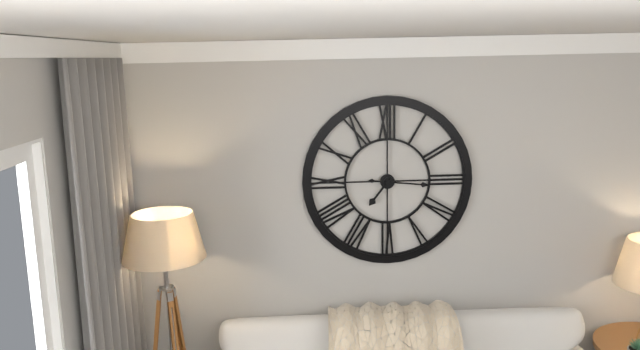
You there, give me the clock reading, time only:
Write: 7:16
